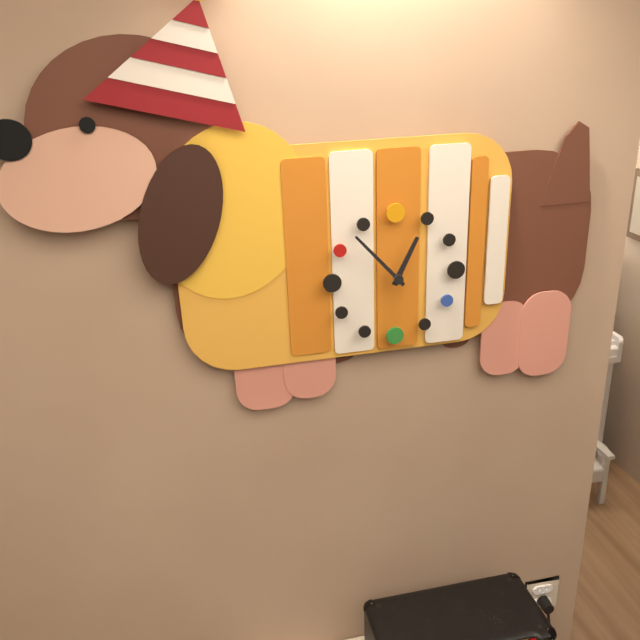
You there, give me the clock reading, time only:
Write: 12:53
